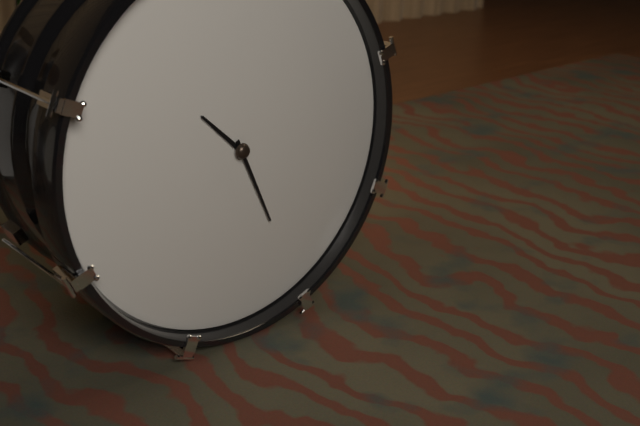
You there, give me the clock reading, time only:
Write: 10:26
